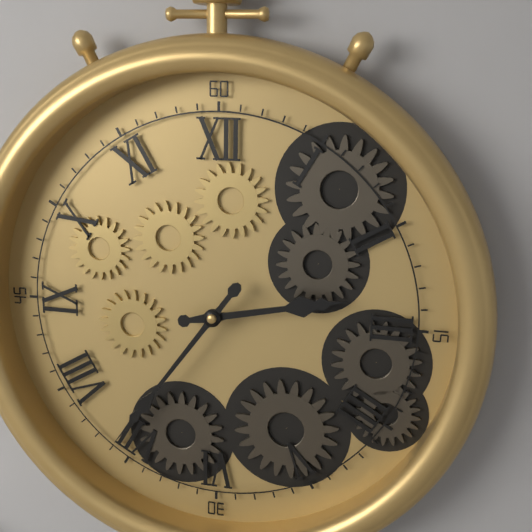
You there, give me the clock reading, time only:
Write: 2:36
